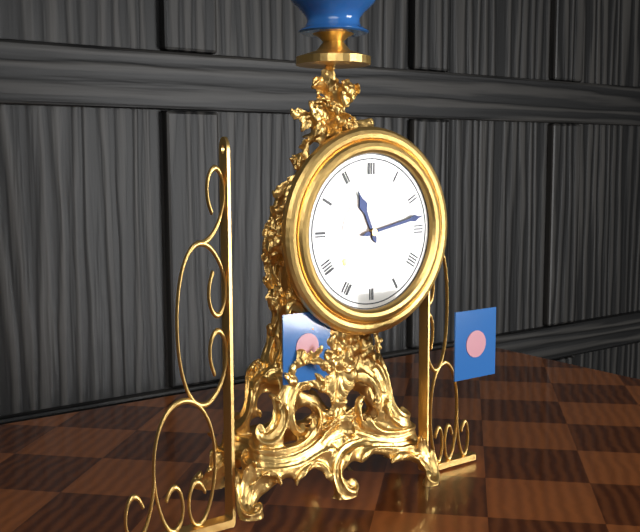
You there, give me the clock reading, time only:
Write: 11:13
